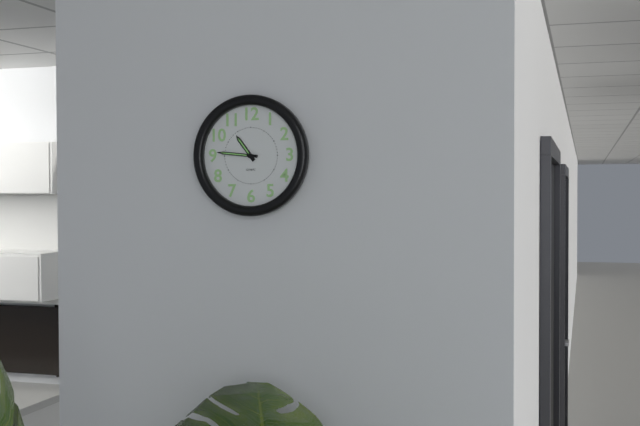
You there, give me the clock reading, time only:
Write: 10:46
